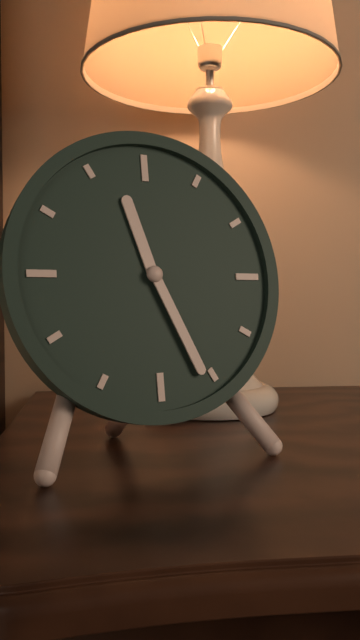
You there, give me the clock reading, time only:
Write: 11:26
